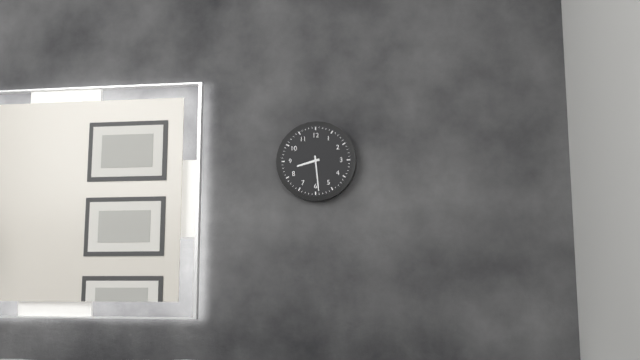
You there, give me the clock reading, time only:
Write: 8:29
